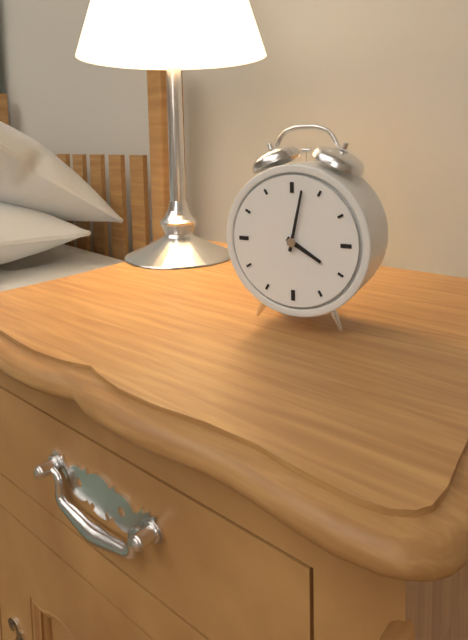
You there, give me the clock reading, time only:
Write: 4:02
